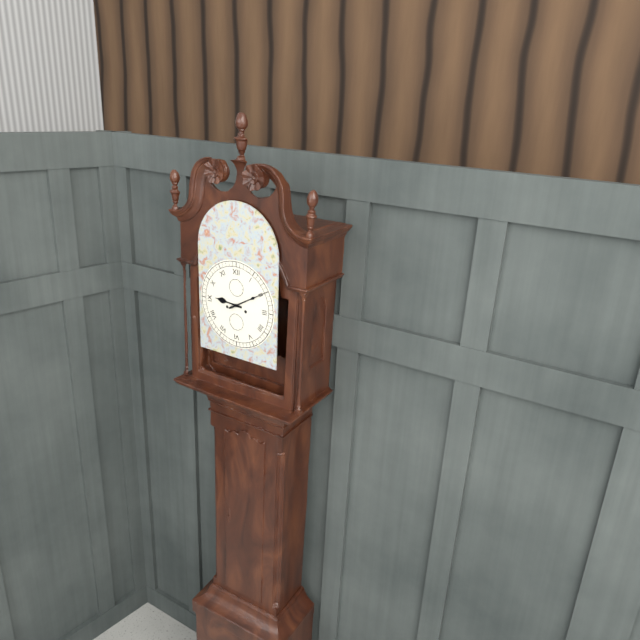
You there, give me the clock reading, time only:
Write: 9:10
